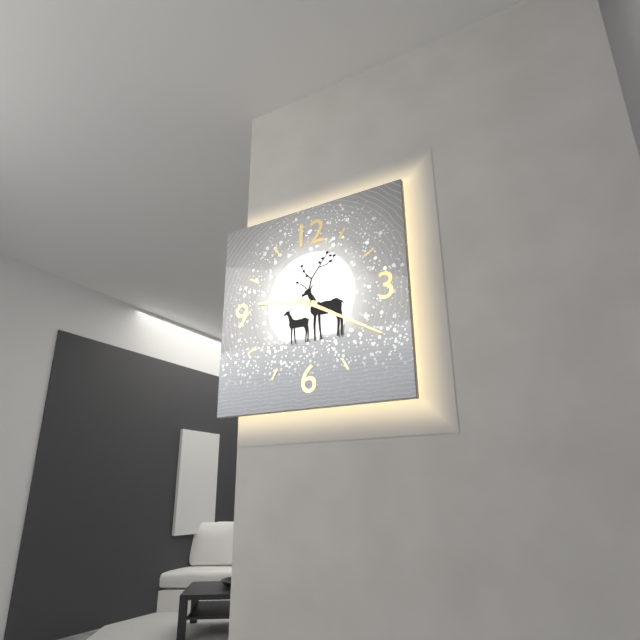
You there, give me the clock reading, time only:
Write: 9:20
